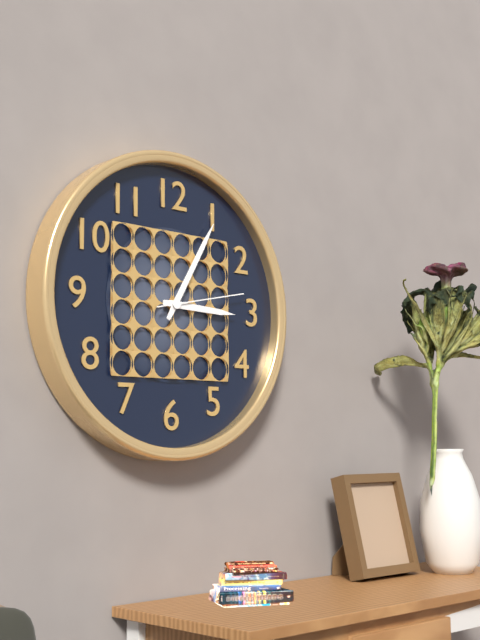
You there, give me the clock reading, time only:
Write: 3:05:13
